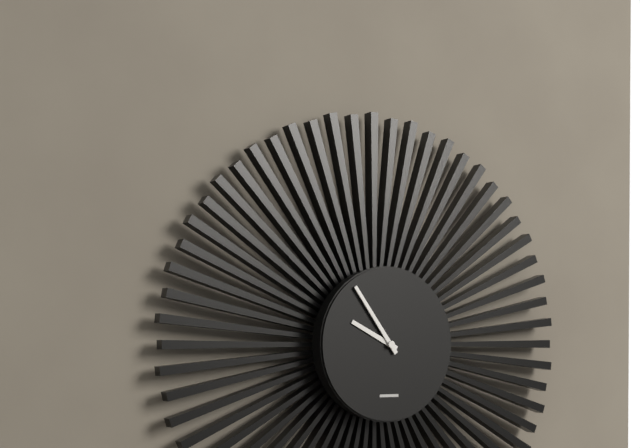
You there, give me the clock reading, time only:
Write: 9:54
